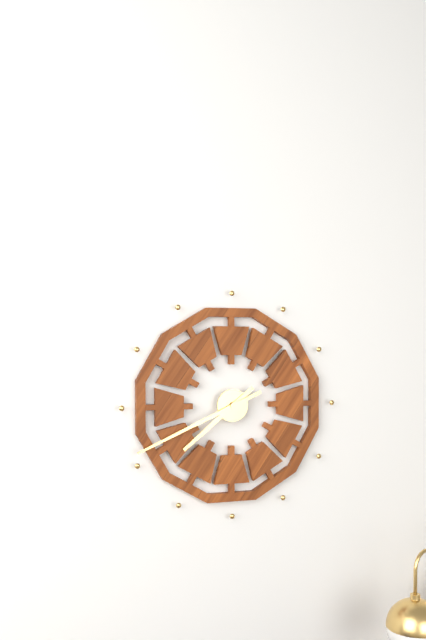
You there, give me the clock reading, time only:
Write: 7:41
